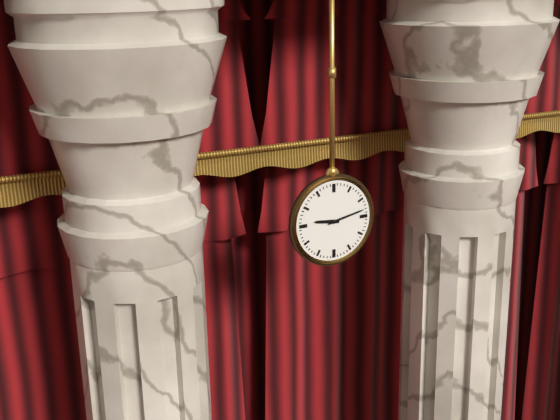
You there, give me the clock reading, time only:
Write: 9:13
